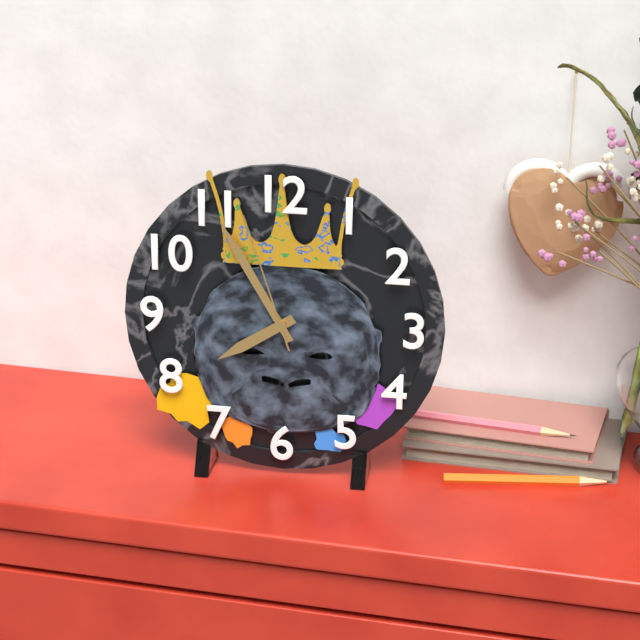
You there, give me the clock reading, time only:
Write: 7:55:57
